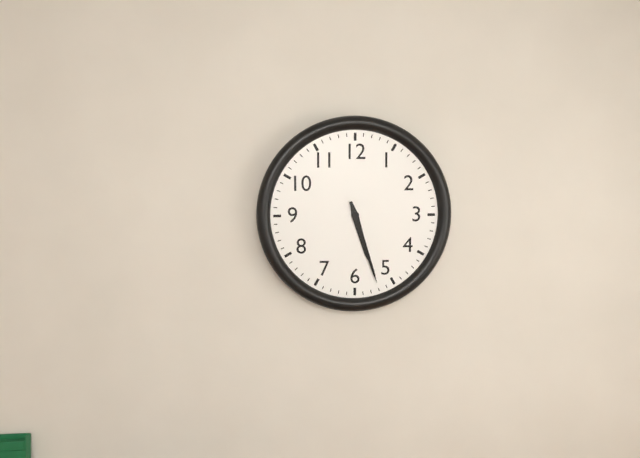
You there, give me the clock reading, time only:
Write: 5:27
